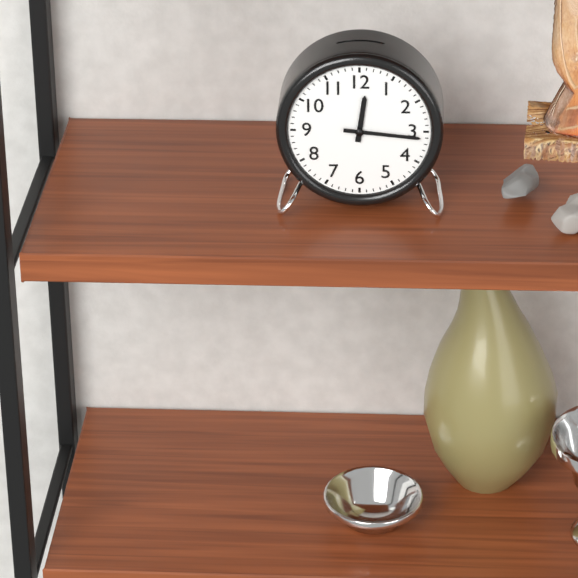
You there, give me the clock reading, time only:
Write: 12:16
